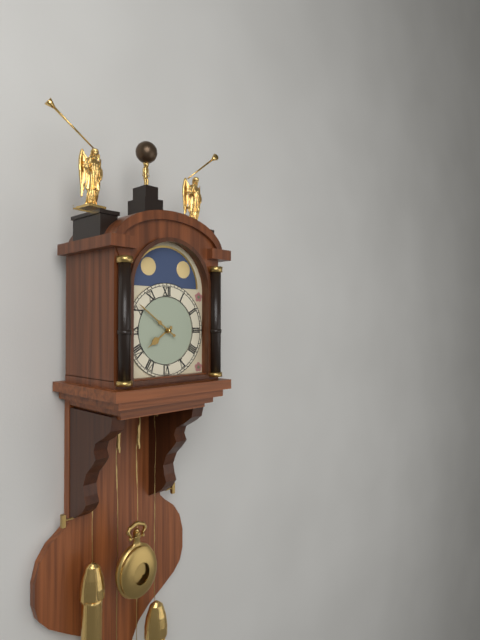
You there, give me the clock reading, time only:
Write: 7:51
